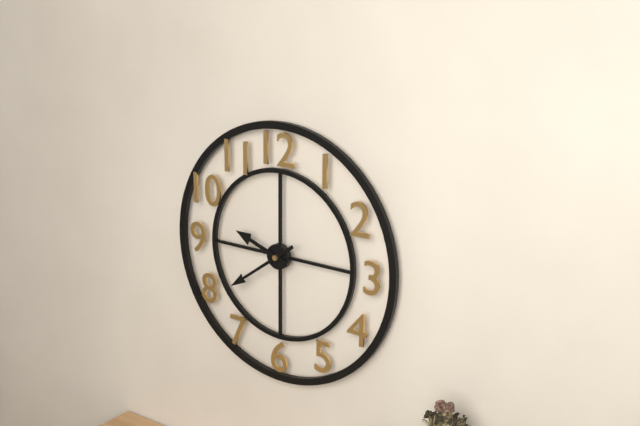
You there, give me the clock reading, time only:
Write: 9:39
